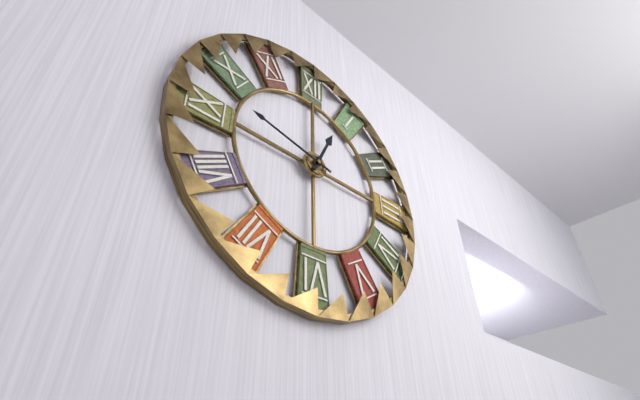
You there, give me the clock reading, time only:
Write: 12:47
